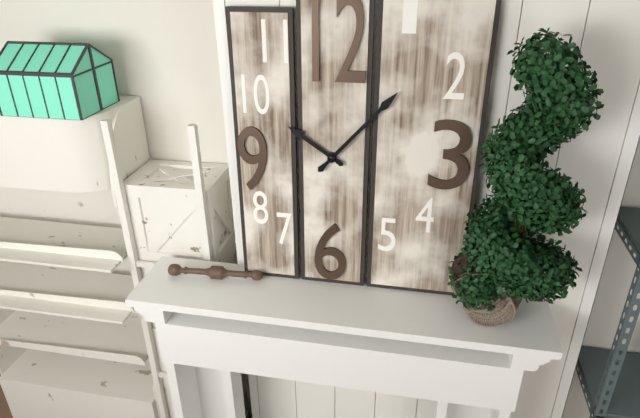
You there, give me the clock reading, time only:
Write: 10:07
